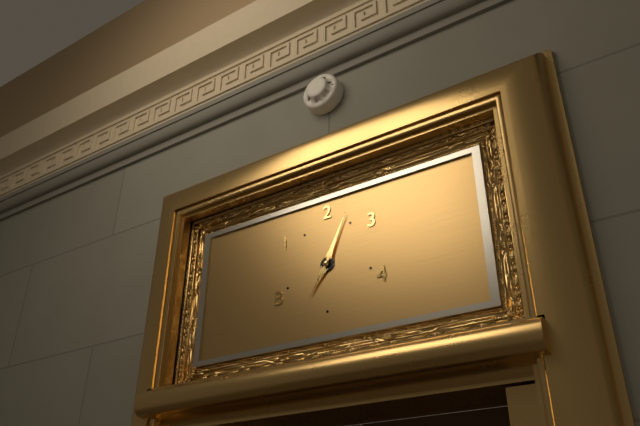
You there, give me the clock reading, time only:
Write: 7:04
